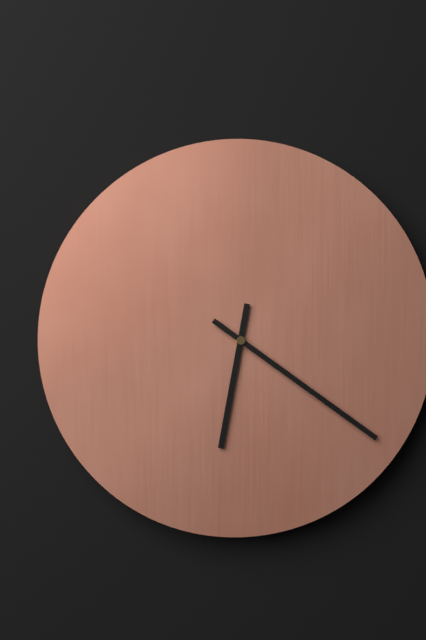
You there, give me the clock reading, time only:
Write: 6:21
